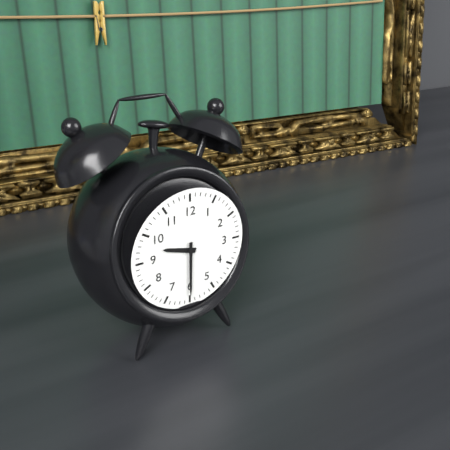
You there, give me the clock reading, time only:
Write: 9:30
